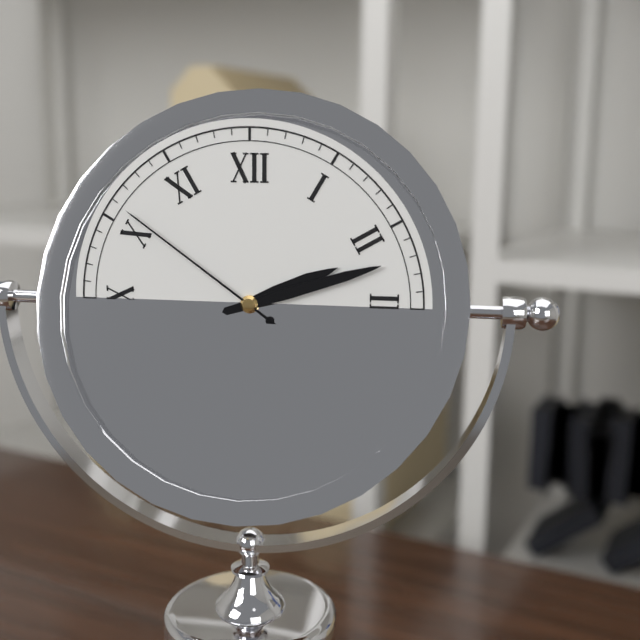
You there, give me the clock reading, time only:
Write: 2:12:51
